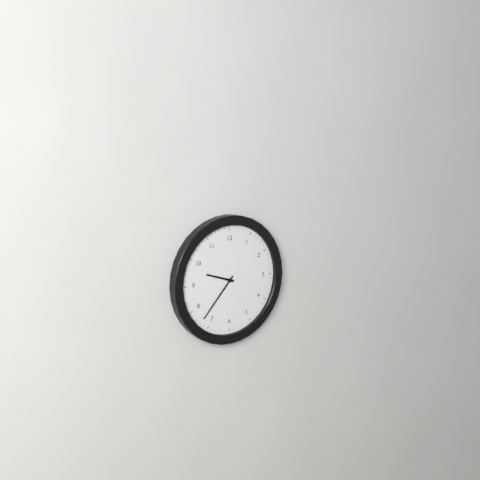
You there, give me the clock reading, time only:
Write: 9:37
